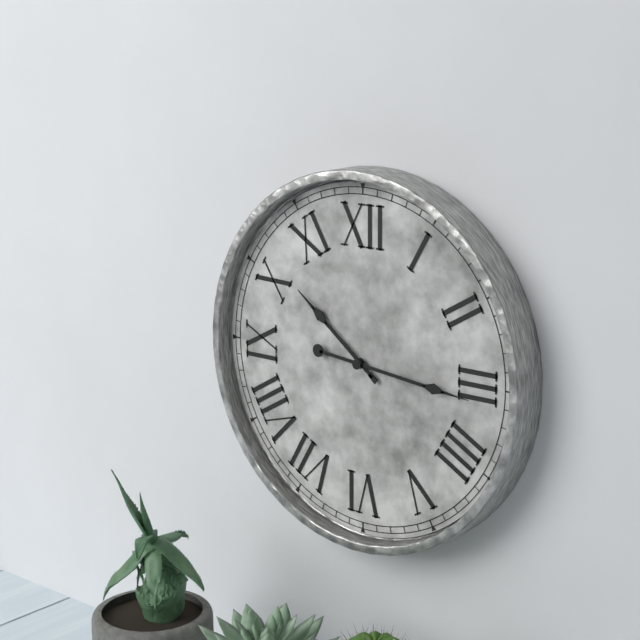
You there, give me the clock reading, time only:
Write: 10:16
